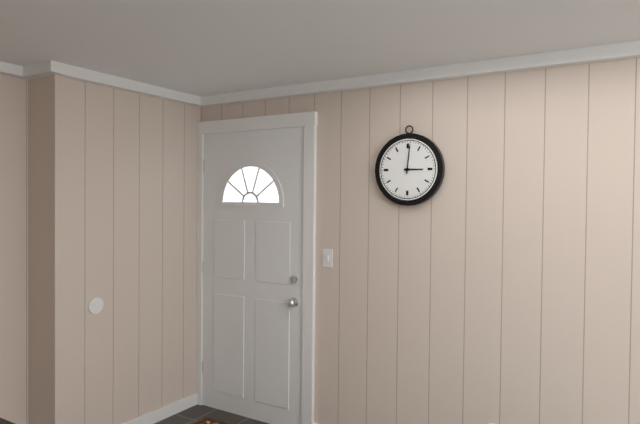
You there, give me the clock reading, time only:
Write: 3:01
